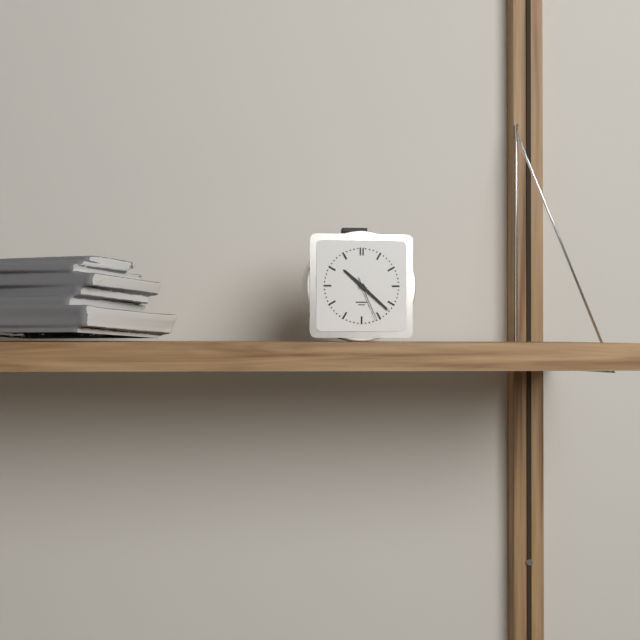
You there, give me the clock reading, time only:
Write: 10:22
